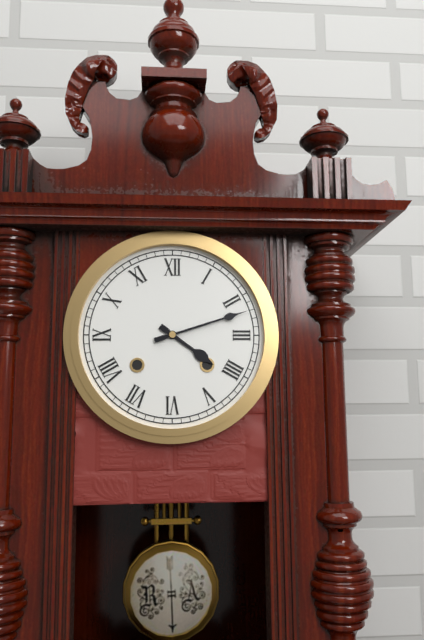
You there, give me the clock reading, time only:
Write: 4:12
